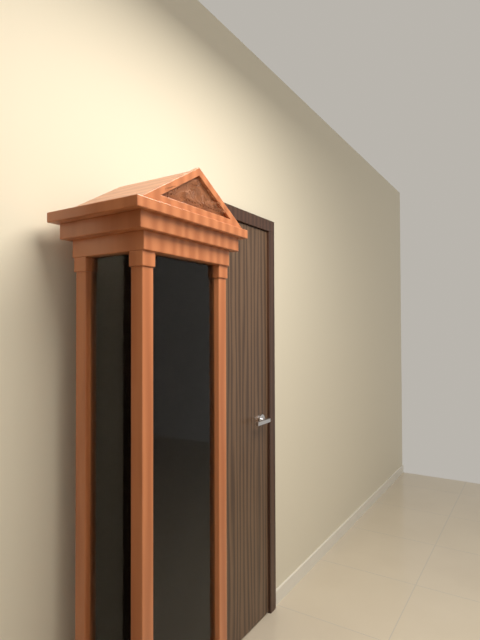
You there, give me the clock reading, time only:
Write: 8:37
